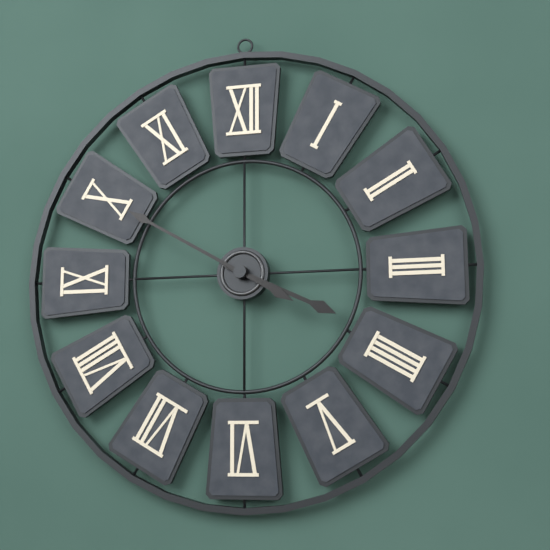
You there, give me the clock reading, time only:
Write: 3:50
